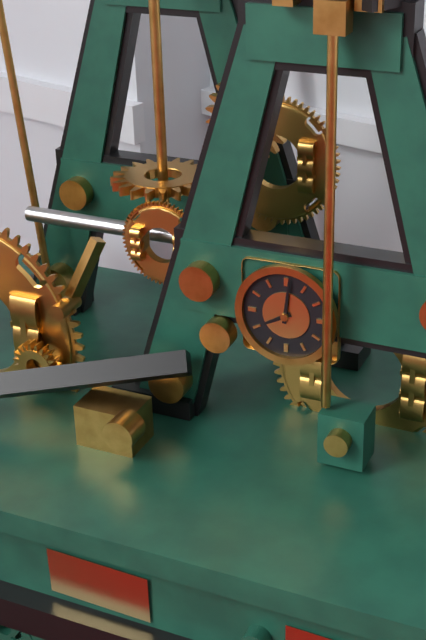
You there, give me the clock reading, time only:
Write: 8:01
